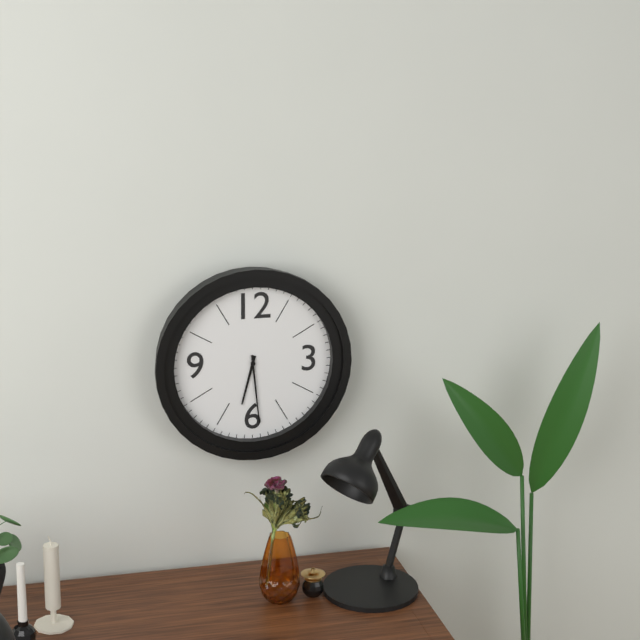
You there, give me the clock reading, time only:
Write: 6:29
